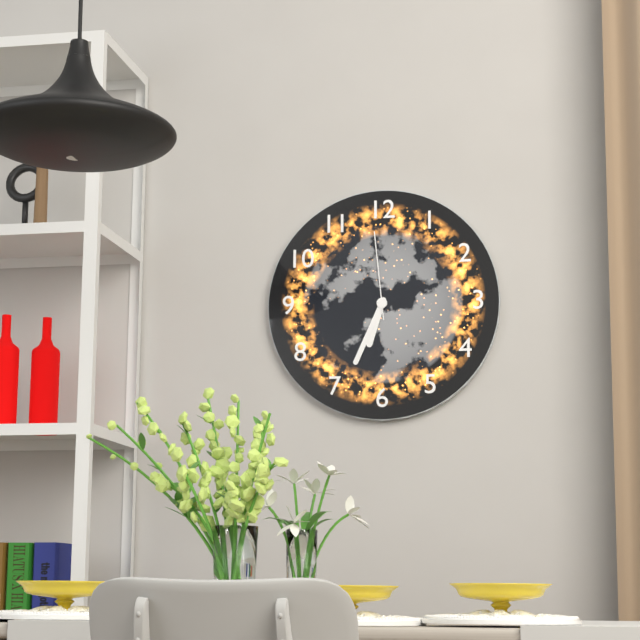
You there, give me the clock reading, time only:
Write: 6:34:59
